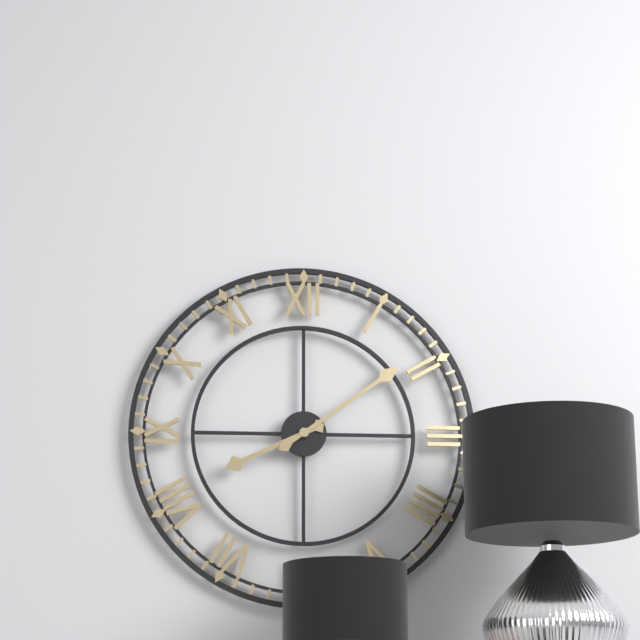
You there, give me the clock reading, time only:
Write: 8:09
